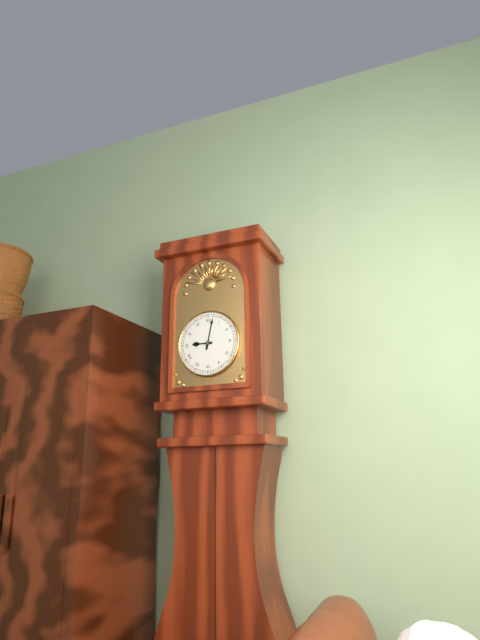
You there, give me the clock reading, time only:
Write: 9:02
